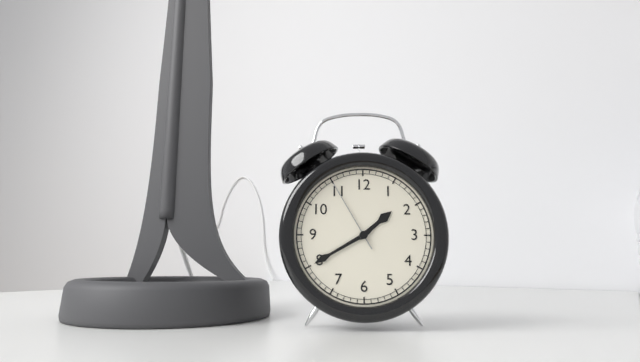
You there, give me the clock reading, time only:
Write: 1:40:55
